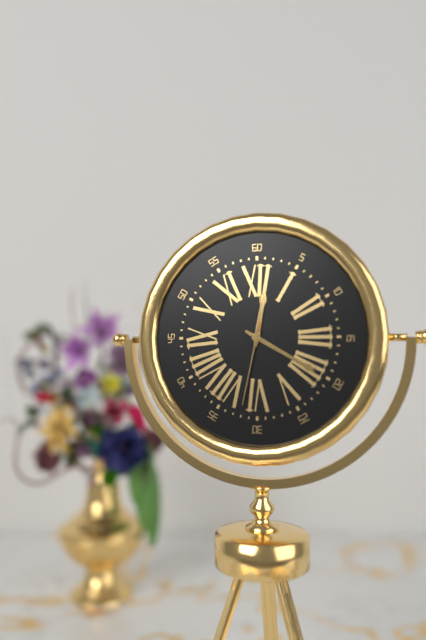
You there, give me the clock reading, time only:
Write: 12:20:32
